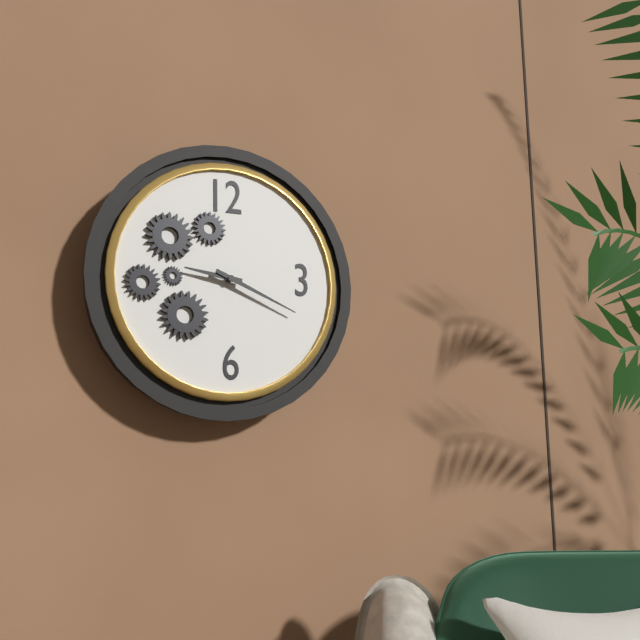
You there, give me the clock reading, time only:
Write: 9:19
